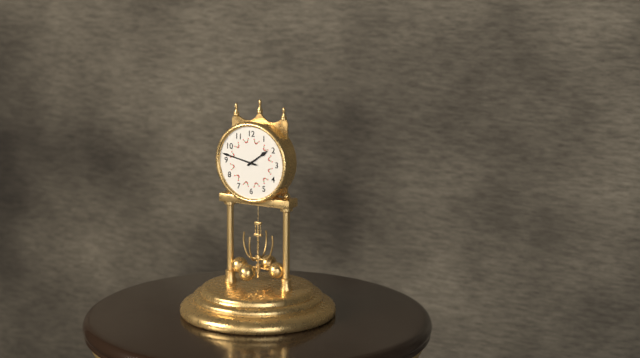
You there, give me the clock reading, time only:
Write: 1:47
